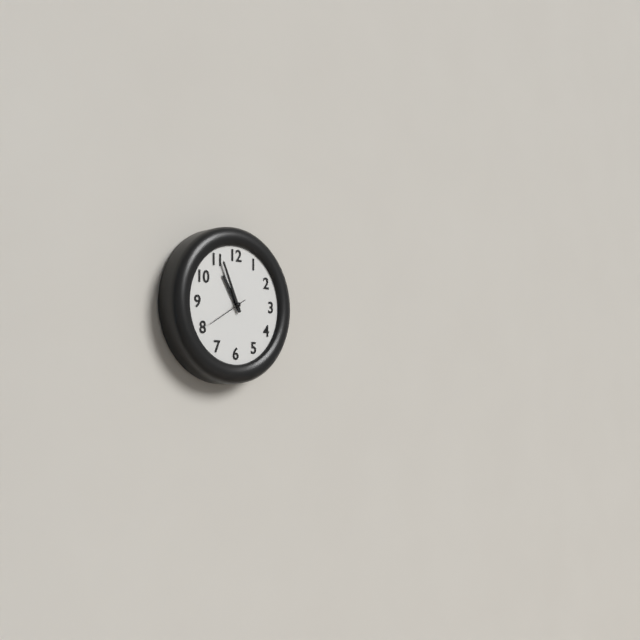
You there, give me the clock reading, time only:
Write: 10:56
